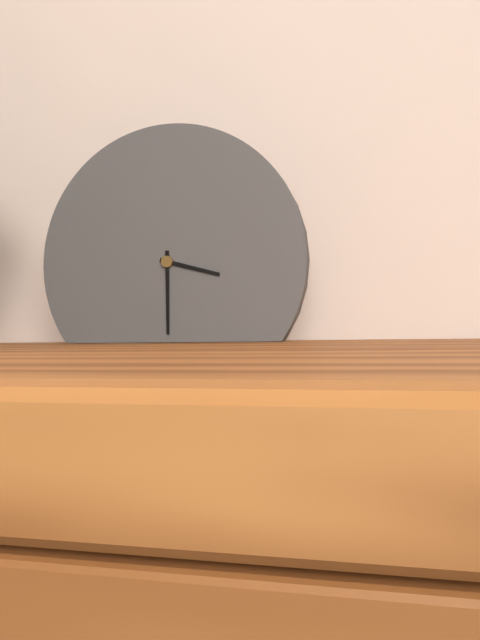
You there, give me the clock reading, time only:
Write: 3:30
